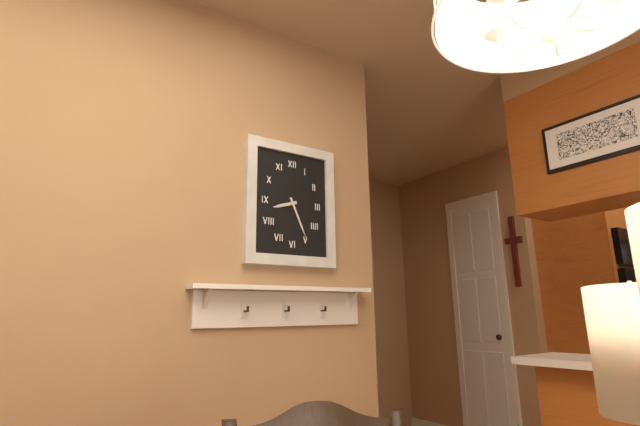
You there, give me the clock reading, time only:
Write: 8:26
